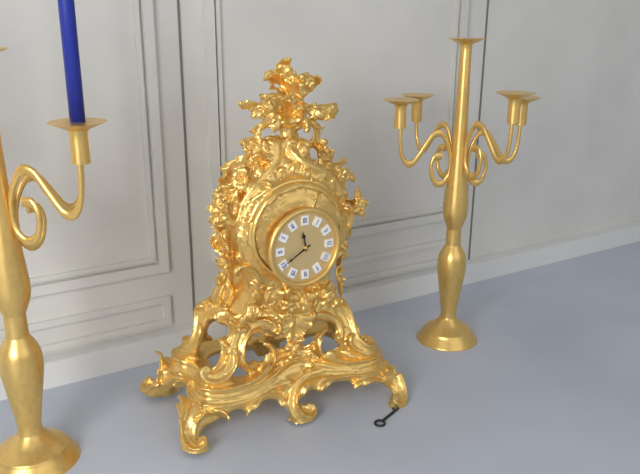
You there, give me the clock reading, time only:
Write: 11:40
